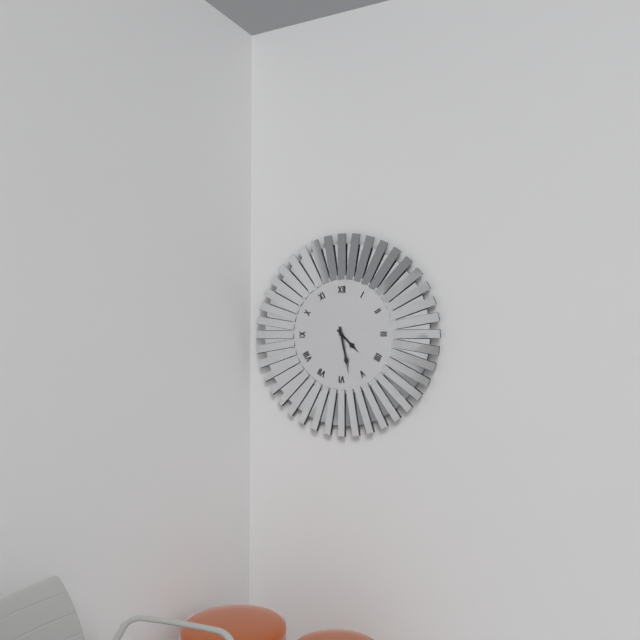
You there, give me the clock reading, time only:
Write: 4:28
